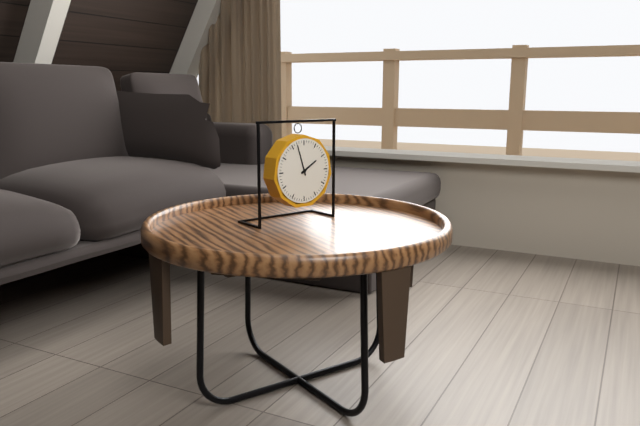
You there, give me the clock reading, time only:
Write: 1:57
